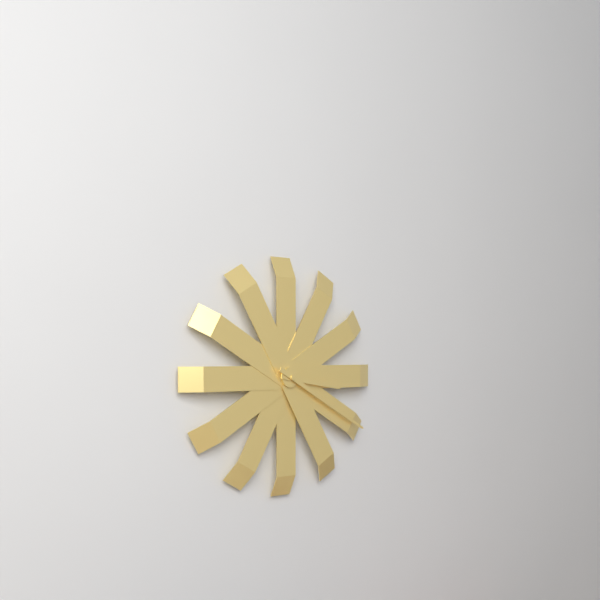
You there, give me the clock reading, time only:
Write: 3:20
